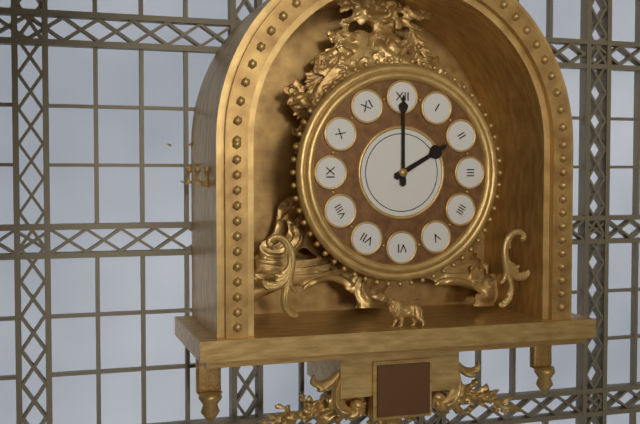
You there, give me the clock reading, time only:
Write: 2:00
